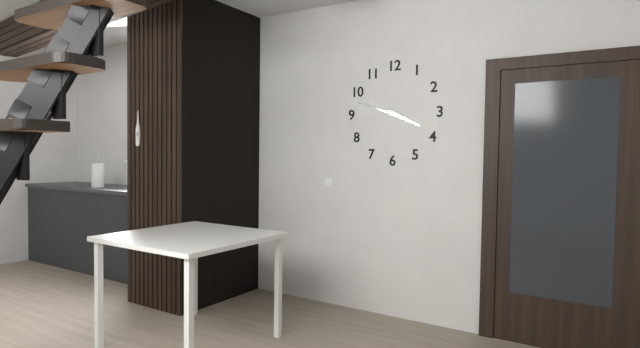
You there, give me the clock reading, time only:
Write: 3:48
